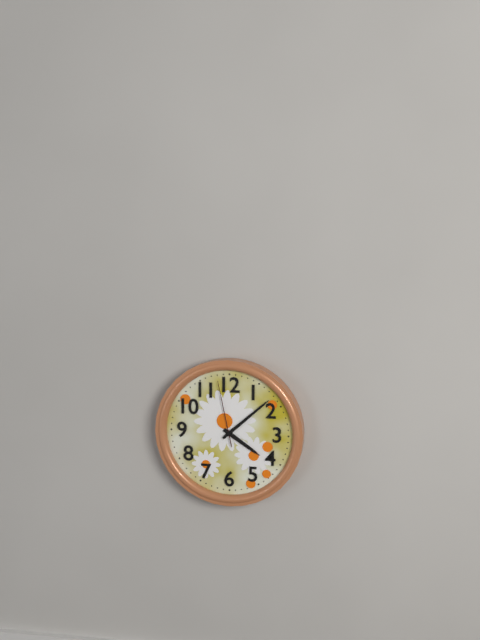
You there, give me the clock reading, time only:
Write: 4:08:58
